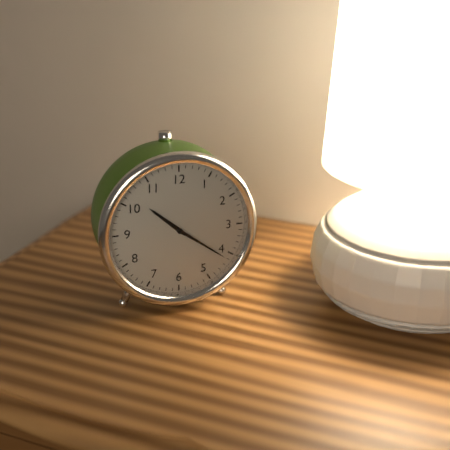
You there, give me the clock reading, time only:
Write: 10:21
